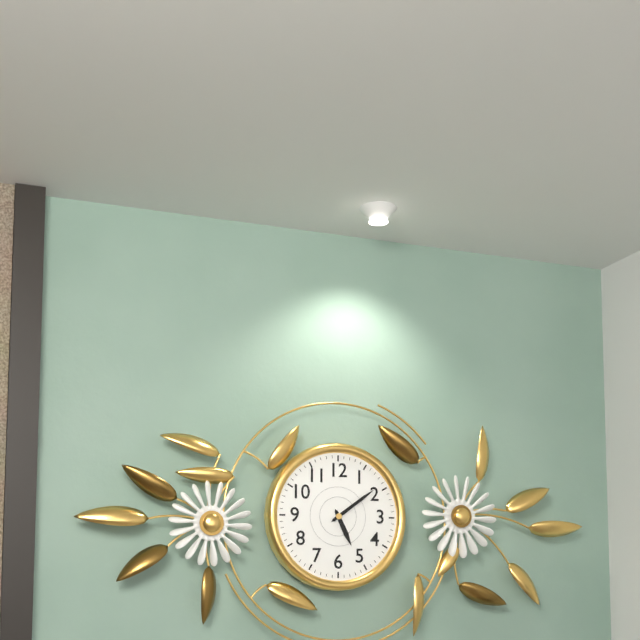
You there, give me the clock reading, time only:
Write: 5:09
